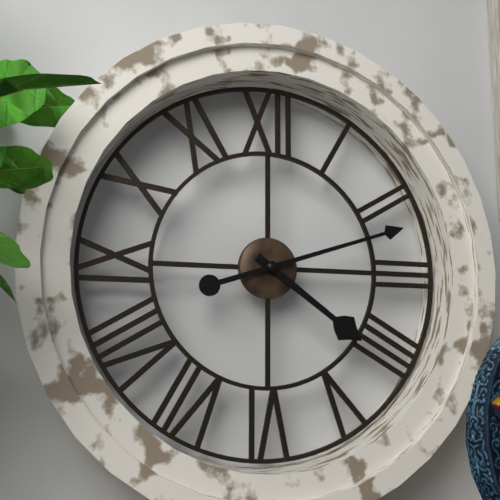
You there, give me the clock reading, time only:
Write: 4:12
